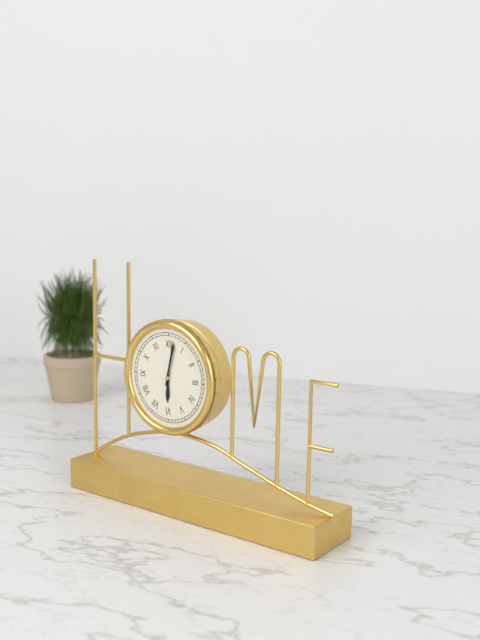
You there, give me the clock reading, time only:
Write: 6:02
